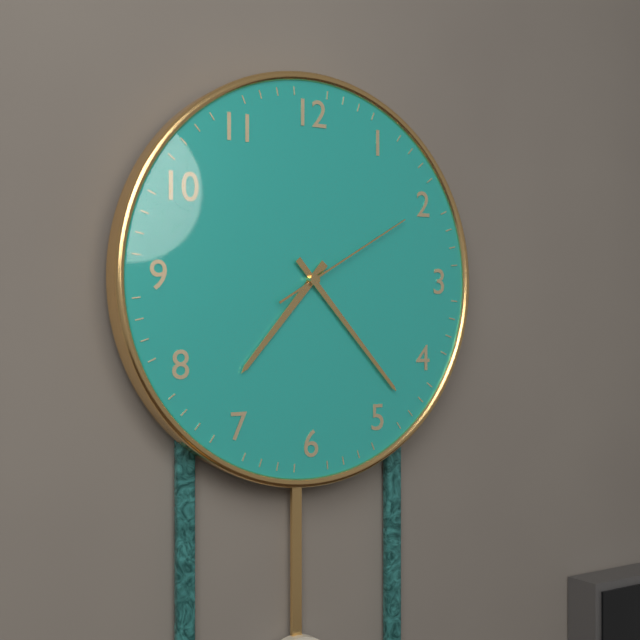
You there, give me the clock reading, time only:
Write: 7:23:10
